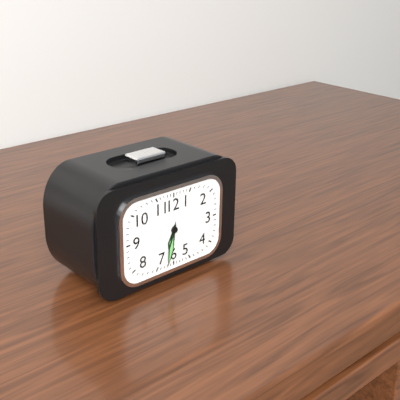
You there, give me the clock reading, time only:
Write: 6:32
